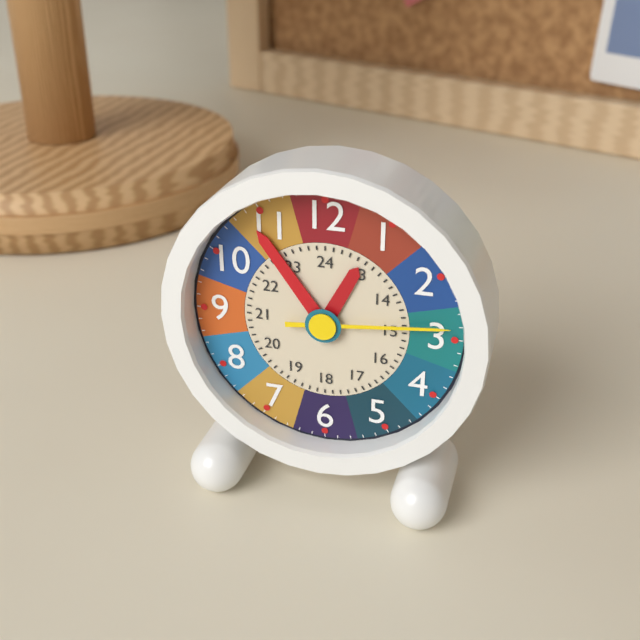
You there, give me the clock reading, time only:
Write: 12:54:14
